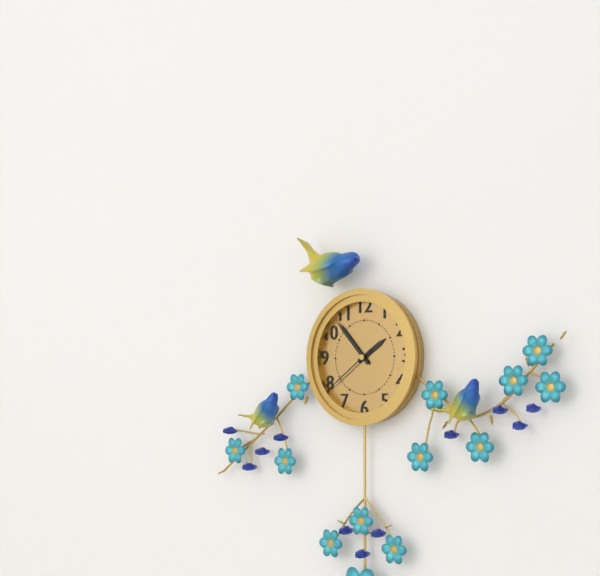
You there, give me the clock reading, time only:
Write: 1:53:39
